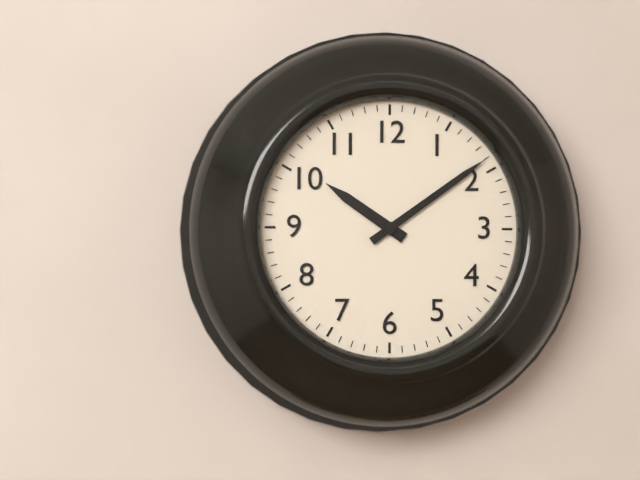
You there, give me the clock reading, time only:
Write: 10:09
